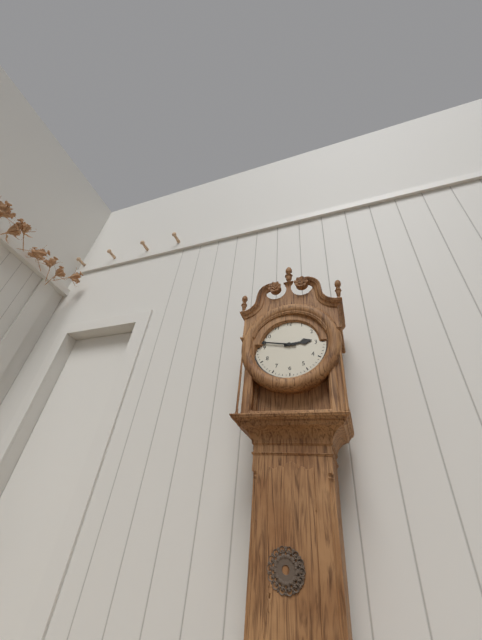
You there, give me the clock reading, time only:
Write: 2:47
